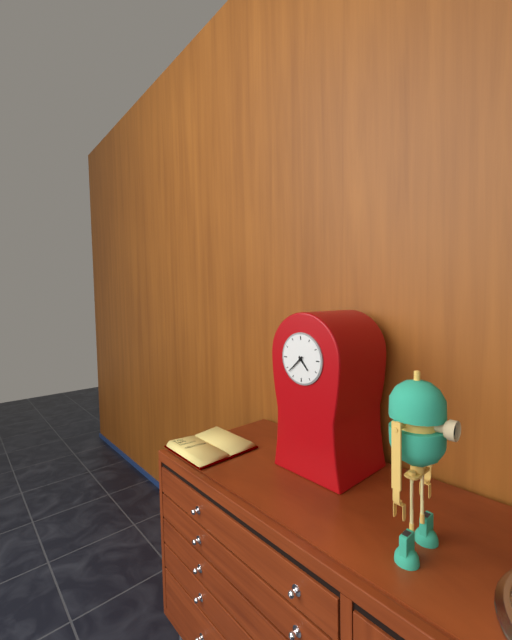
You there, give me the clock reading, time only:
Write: 4:38
